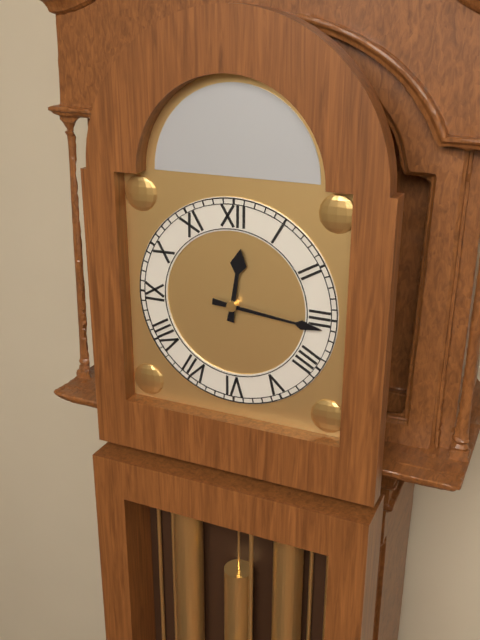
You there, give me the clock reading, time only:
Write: 12:16
